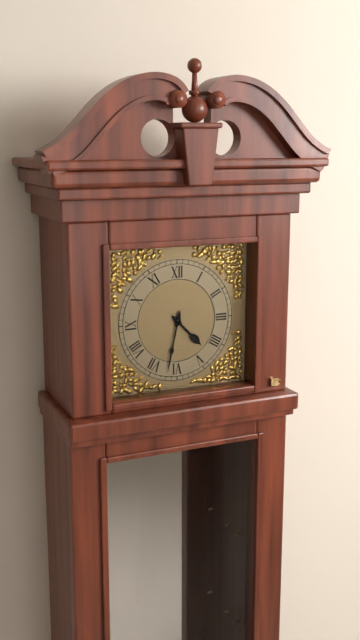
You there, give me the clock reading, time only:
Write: 4:32
